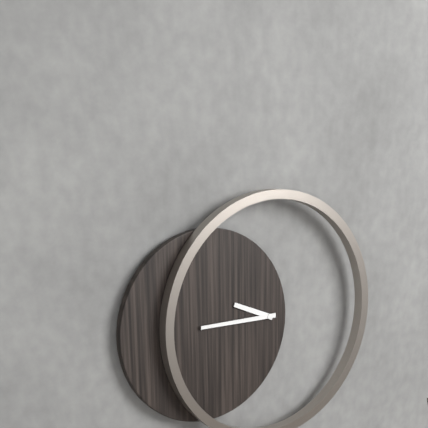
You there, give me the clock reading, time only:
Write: 9:45
